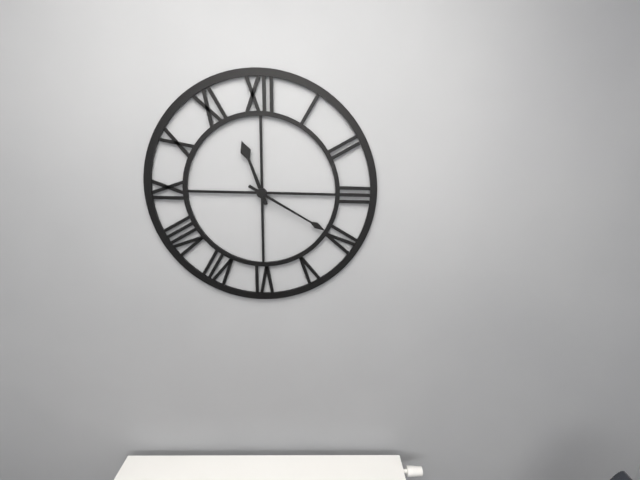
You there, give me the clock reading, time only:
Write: 11:20
